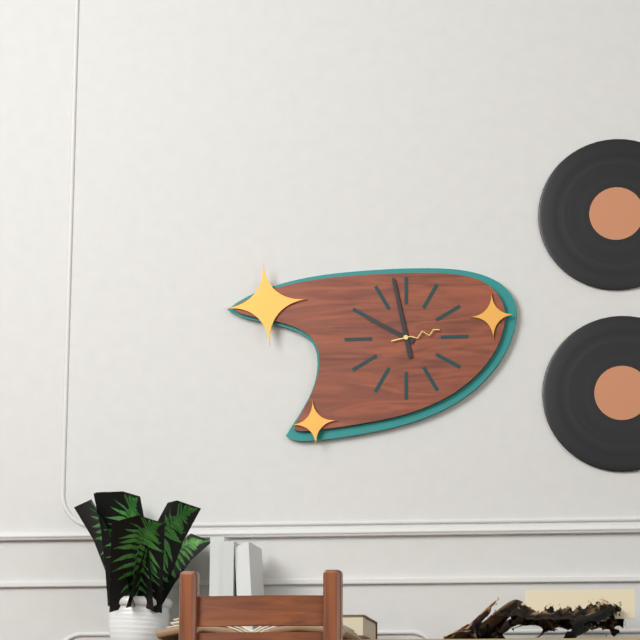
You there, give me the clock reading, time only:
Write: 9:58
